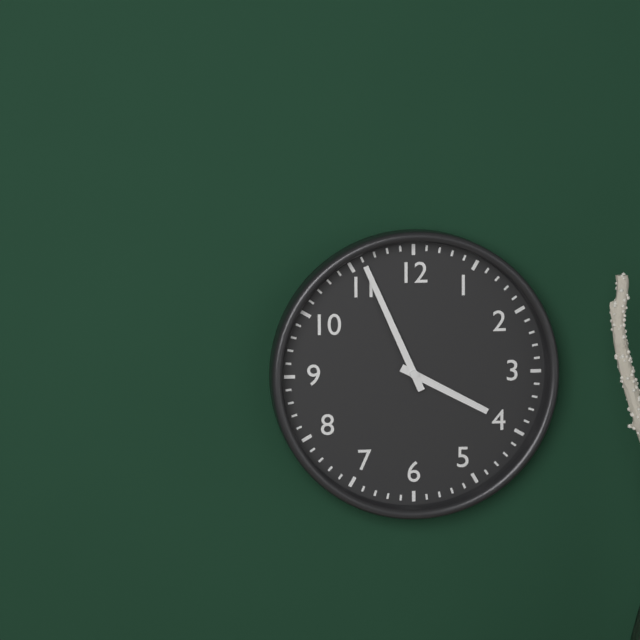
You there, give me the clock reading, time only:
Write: 3:56
